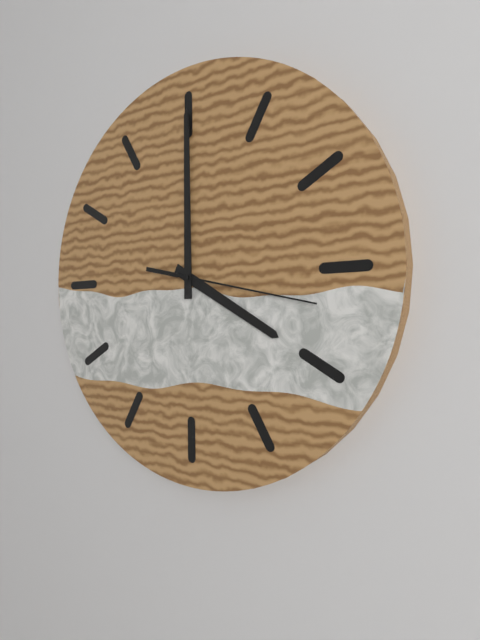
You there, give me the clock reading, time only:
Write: 4:00:17
